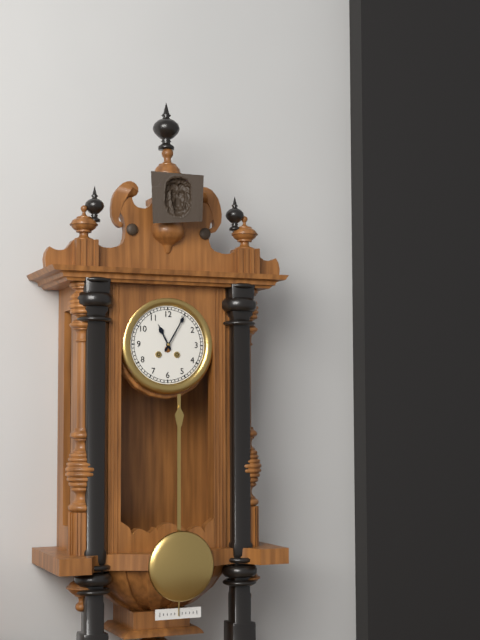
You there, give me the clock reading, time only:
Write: 11:05
